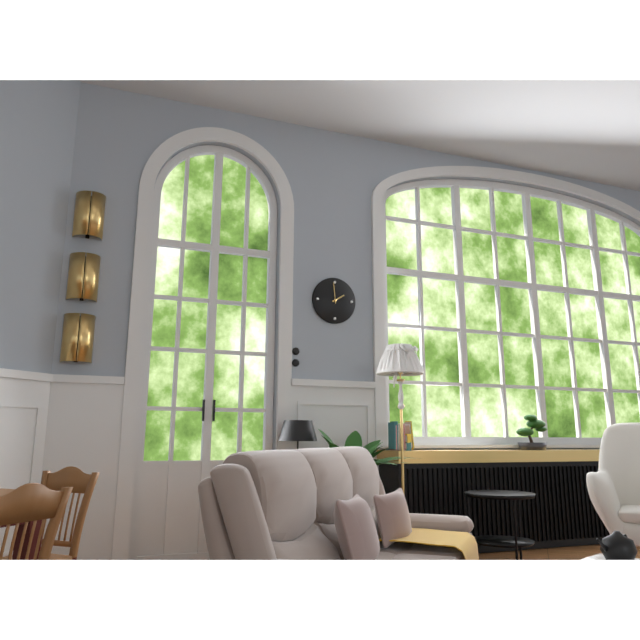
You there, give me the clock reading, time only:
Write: 1:59
